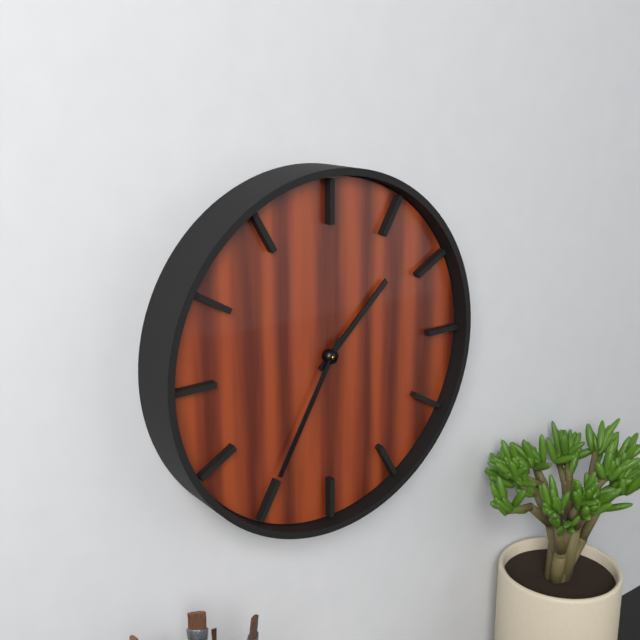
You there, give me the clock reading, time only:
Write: 1:35
